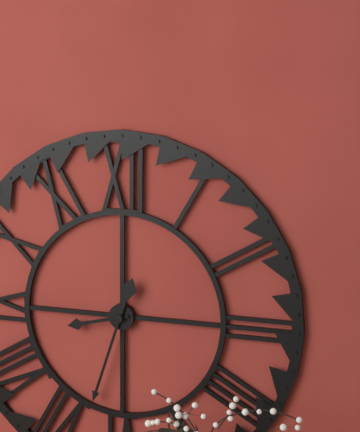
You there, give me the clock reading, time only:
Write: 8:33
